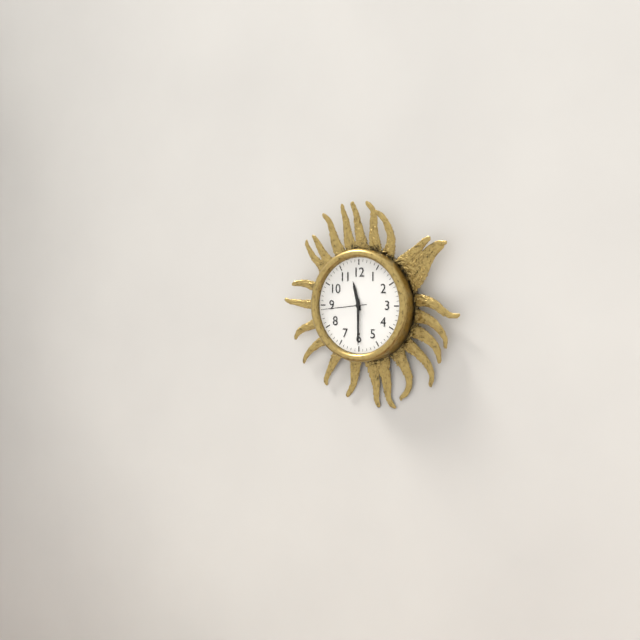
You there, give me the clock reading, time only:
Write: 11:30
